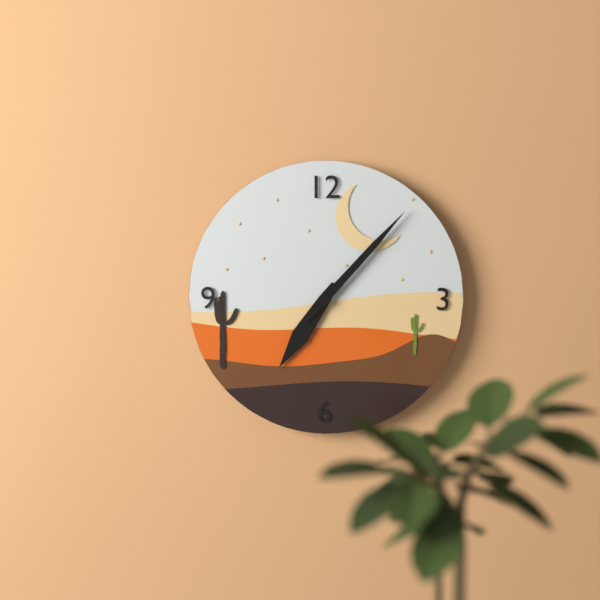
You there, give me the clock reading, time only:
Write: 7:07
